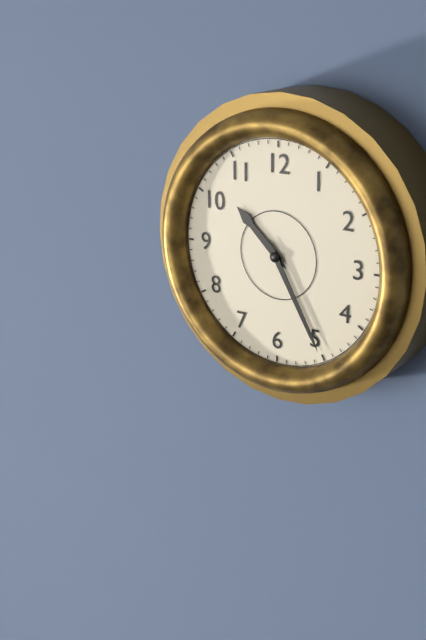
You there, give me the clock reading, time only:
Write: 10:25
